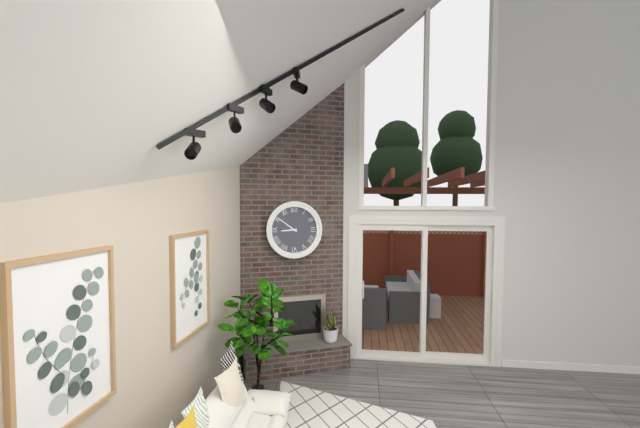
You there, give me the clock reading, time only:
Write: 8:51
